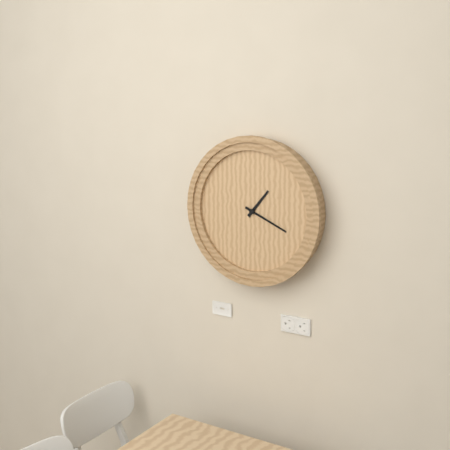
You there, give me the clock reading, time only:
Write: 1:19
